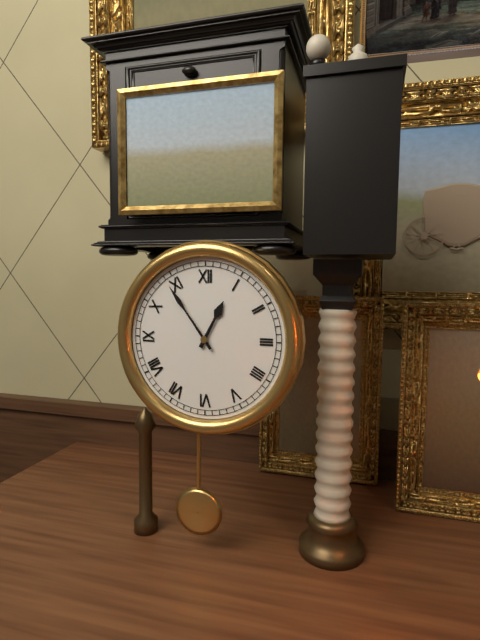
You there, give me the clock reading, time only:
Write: 12:54
